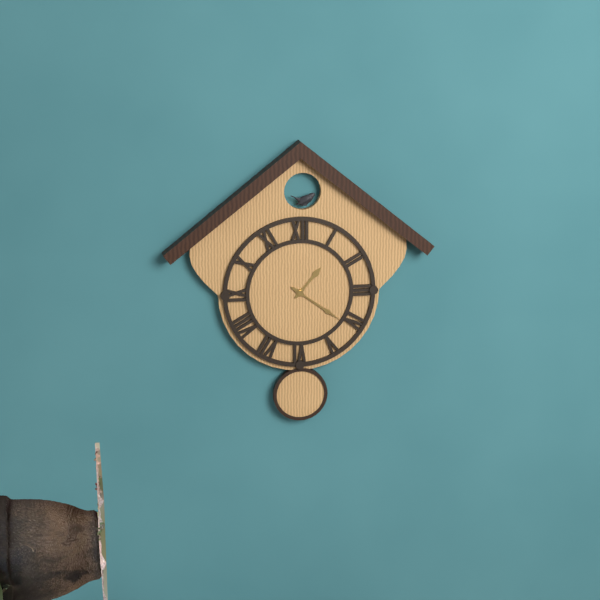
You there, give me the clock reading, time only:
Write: 1:21
